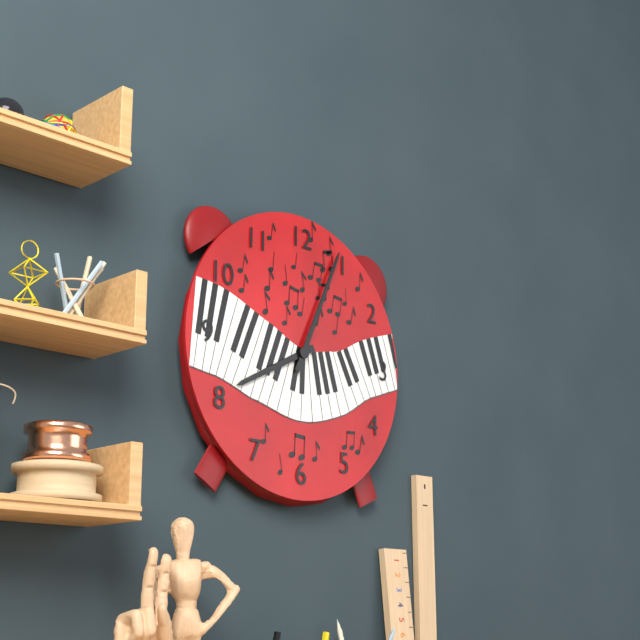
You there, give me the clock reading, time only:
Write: 8:04
